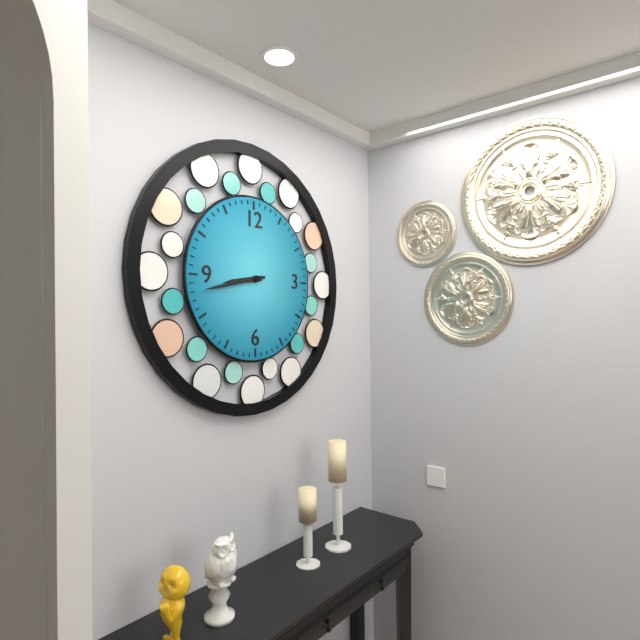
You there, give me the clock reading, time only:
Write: 8:43
